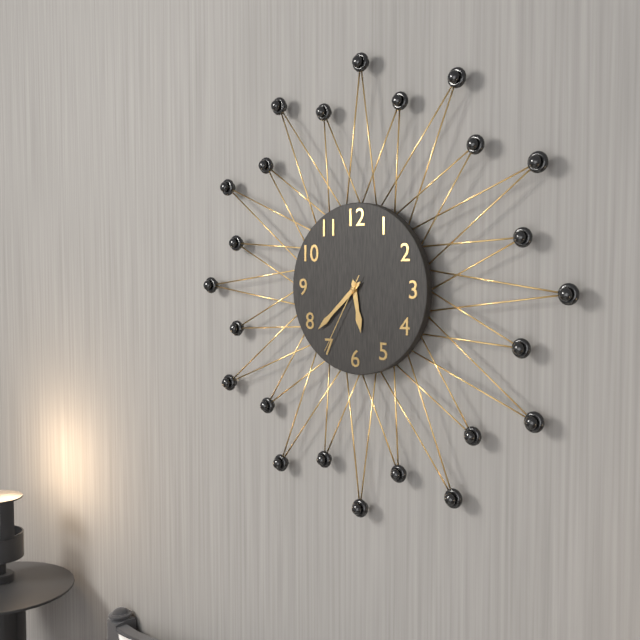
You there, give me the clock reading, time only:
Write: 5:38:35
